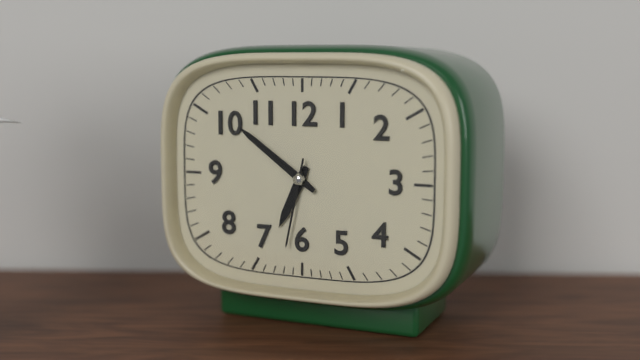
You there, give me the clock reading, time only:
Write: 6:51:32
